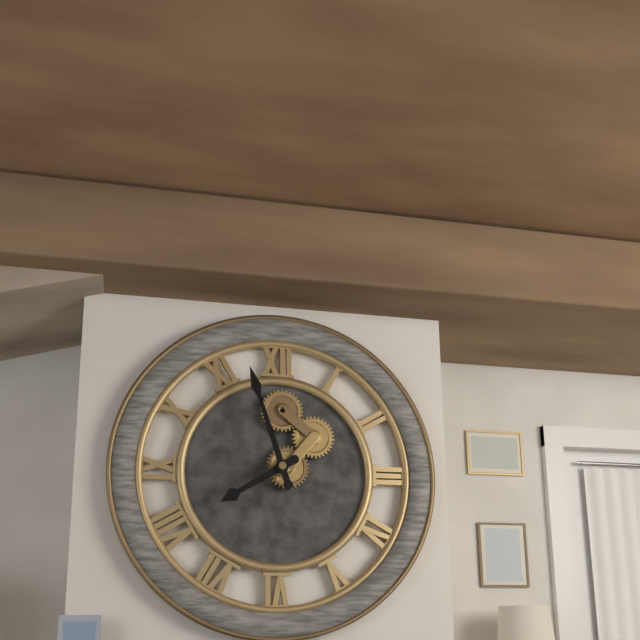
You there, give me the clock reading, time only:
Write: 7:57
